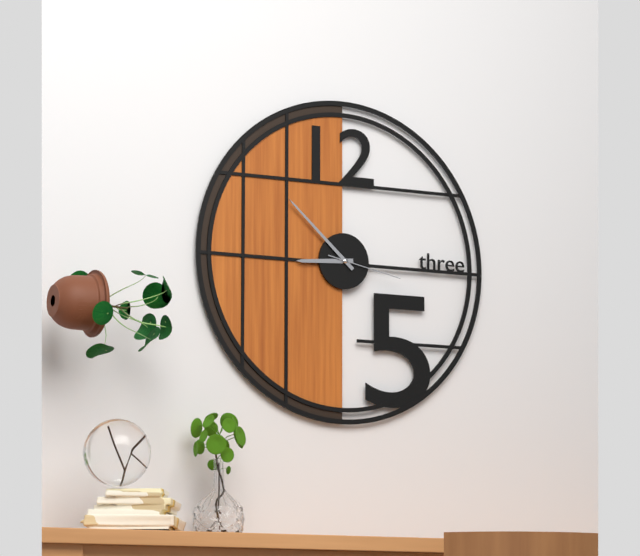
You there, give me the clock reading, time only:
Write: 8:52:17
